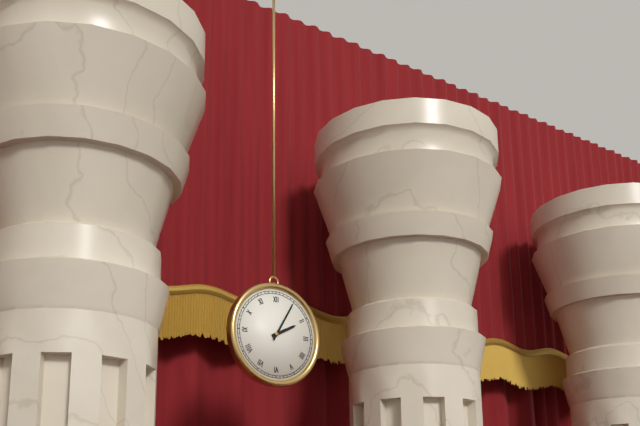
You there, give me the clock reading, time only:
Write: 2:05
